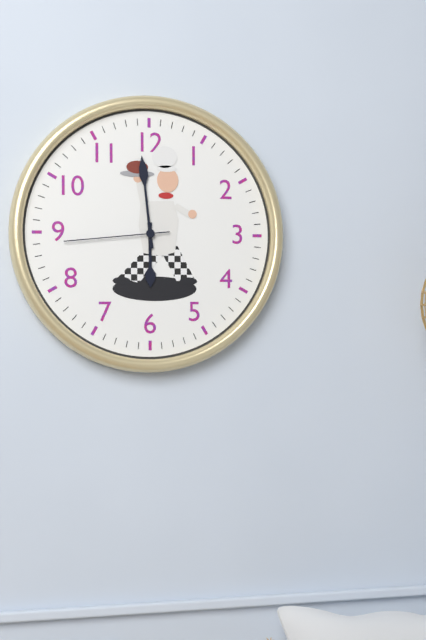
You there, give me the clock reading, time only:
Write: 5:59:44
